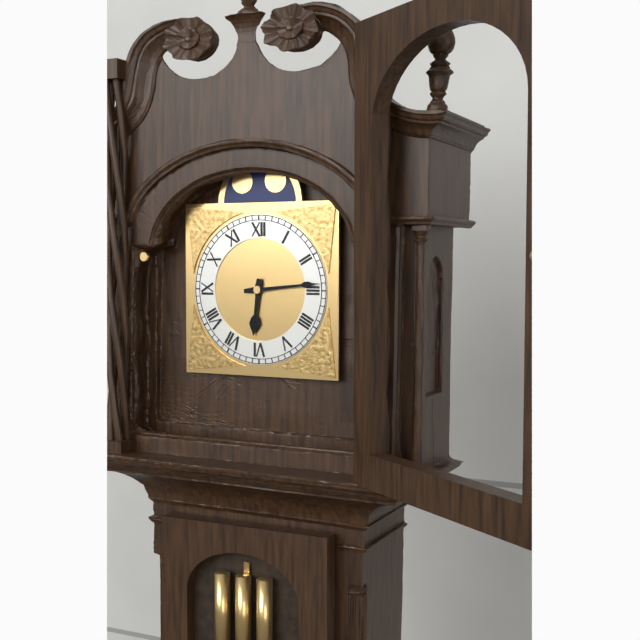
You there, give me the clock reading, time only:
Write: 6:14
